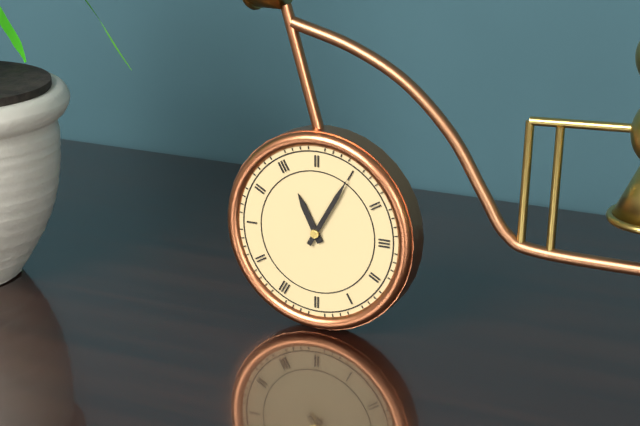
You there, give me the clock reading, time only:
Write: 11:05
